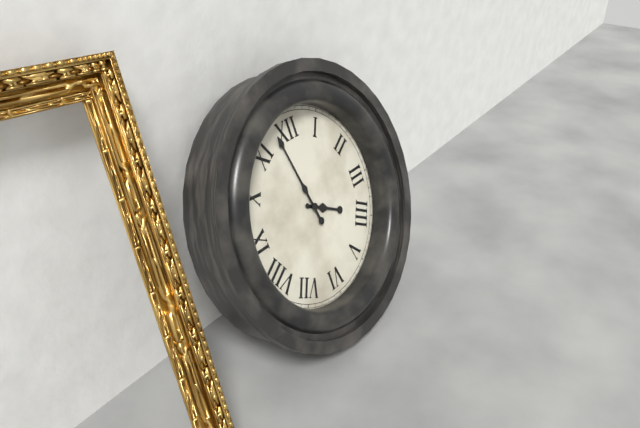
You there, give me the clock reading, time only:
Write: 3:58
